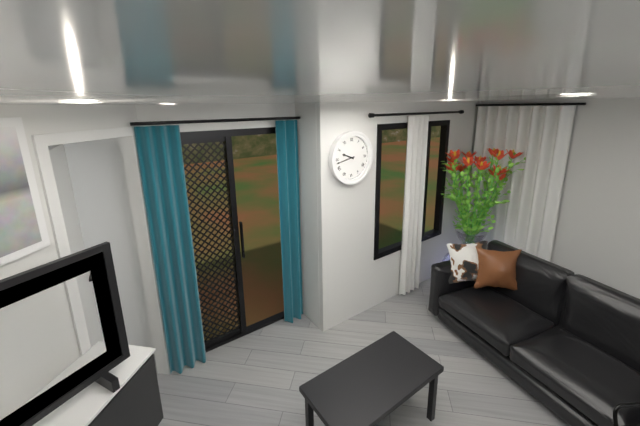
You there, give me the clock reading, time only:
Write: 9:43
